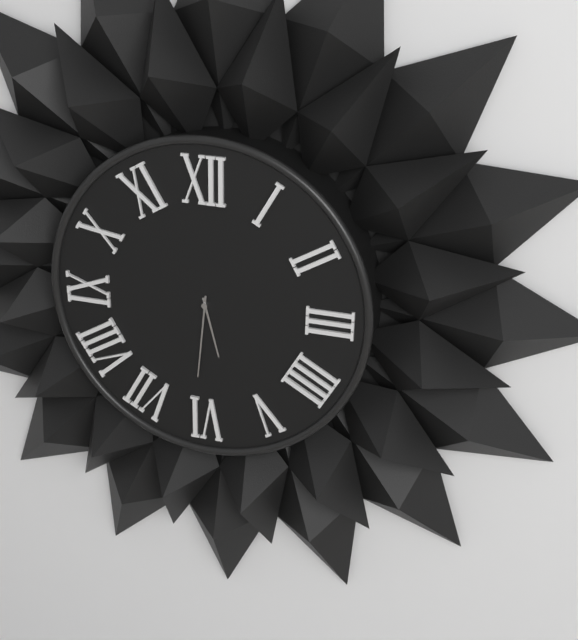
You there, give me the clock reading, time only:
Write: 5:31
